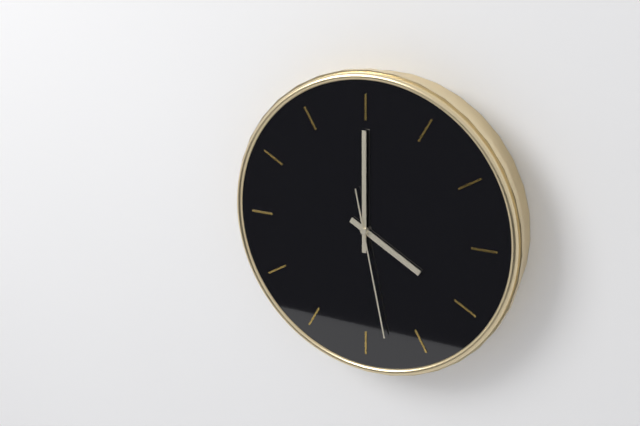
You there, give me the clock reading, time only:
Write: 4:00:28
